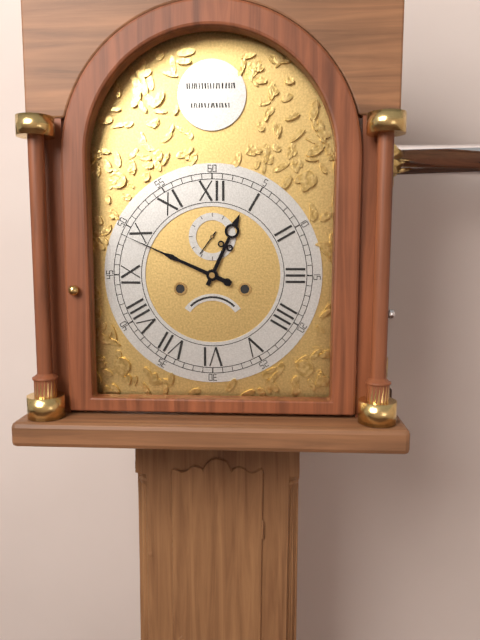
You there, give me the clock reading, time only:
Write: 12:49
